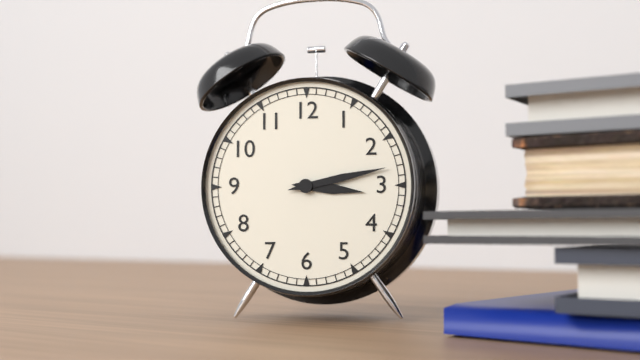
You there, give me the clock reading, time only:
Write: 3:13
